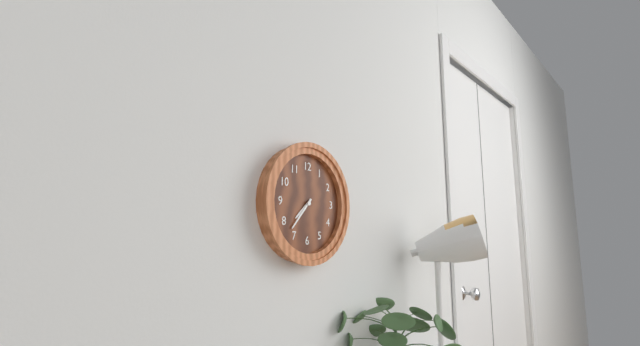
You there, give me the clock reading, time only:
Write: 7:37
